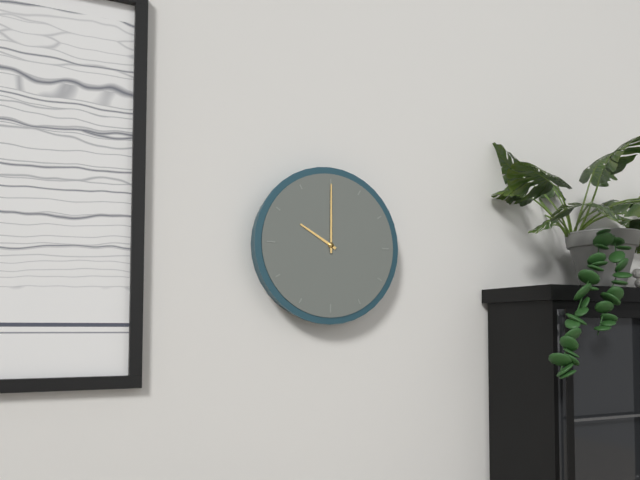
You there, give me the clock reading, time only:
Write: 10:00
